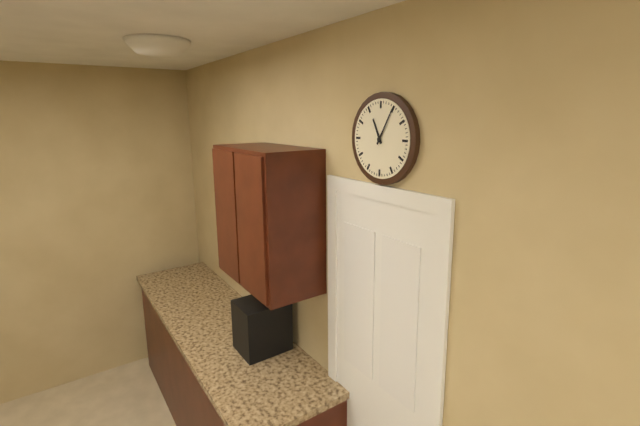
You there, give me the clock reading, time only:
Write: 11:05
